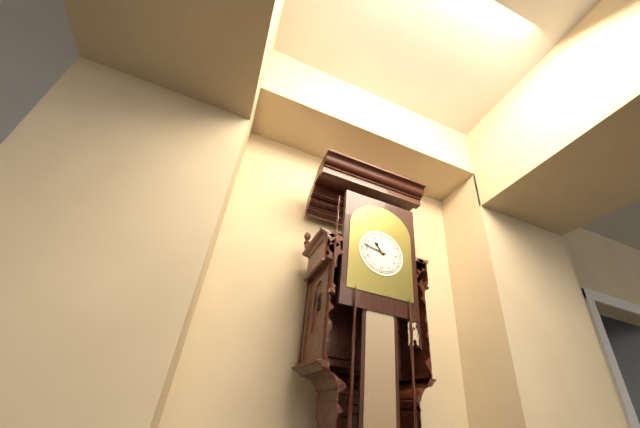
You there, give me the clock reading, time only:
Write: 10:47
